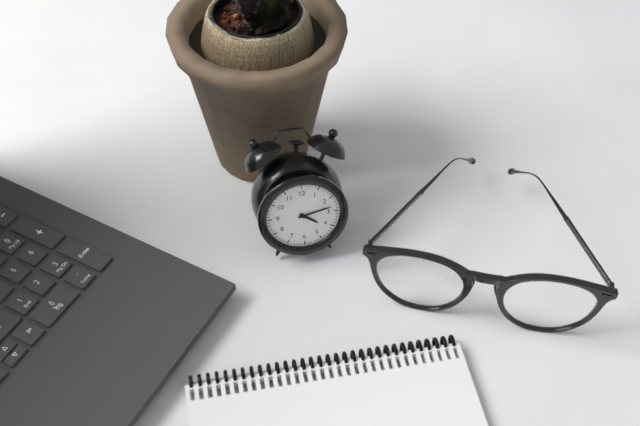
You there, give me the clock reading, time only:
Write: 4:13
